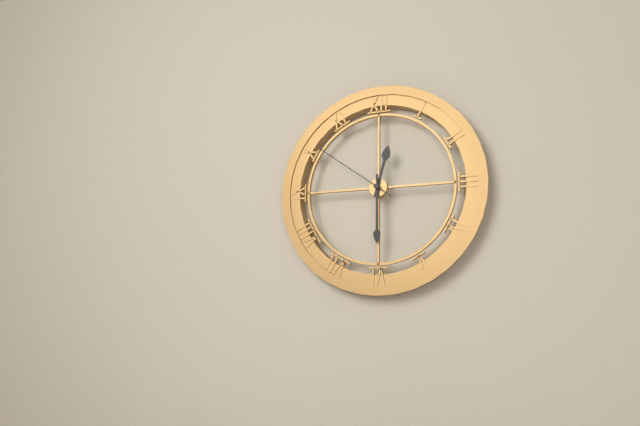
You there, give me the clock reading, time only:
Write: 12:30:51
